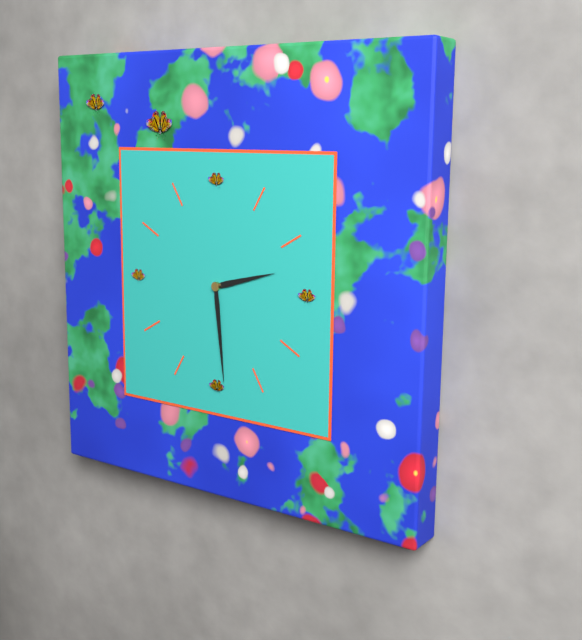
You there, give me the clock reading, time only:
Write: 2:29
